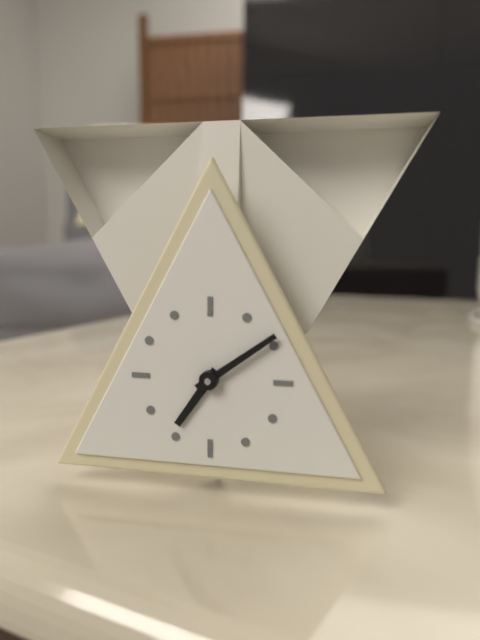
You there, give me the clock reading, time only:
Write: 7:09
